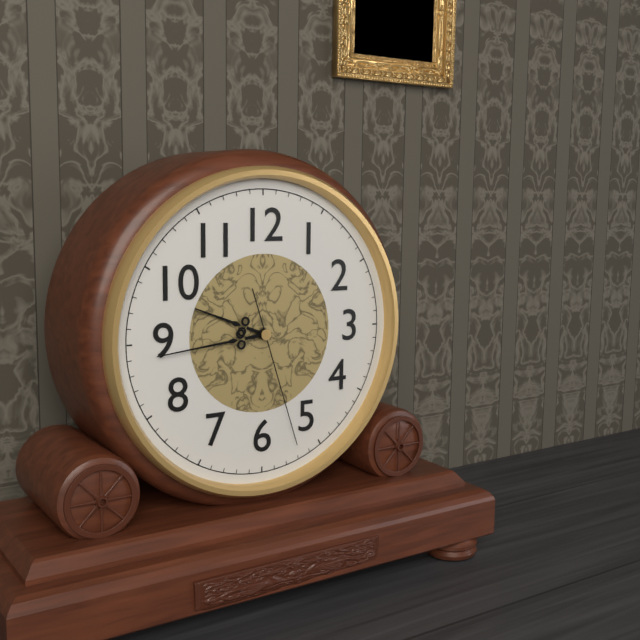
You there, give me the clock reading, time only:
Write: 9:44:27
